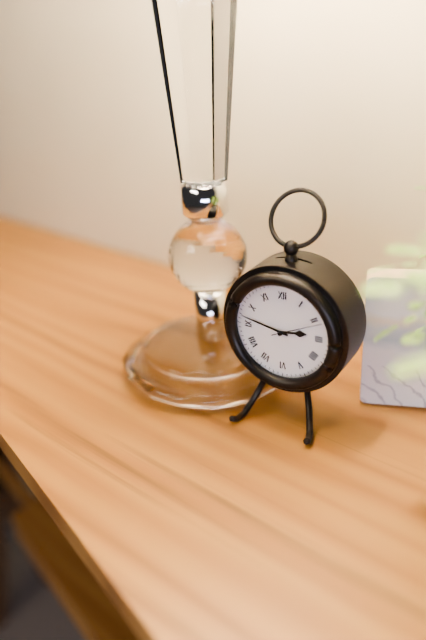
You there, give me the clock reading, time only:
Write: 2:47:11
